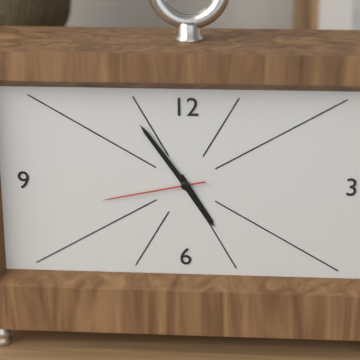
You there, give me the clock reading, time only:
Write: 4:54:43
